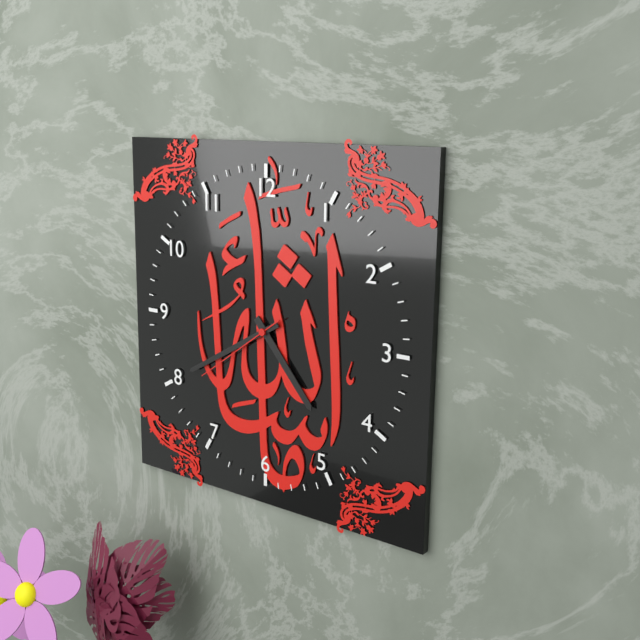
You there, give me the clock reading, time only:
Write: 4:40:39
